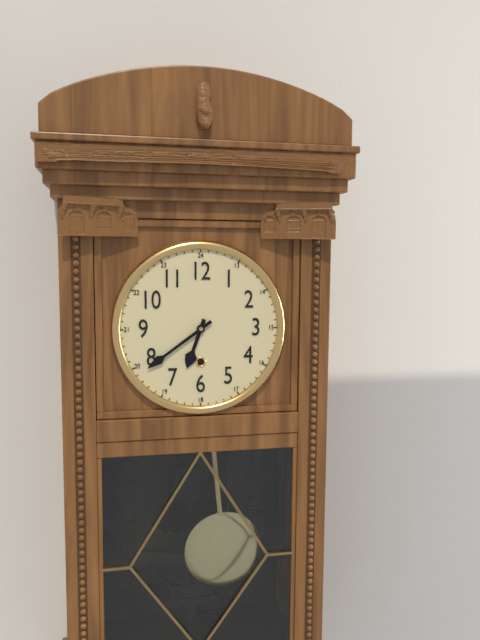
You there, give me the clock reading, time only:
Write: 6:39
